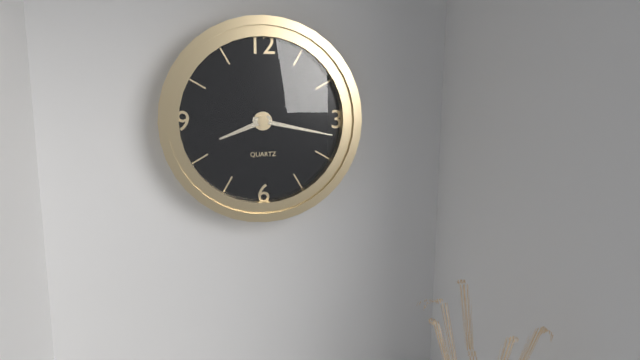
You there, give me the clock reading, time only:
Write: 8:17
